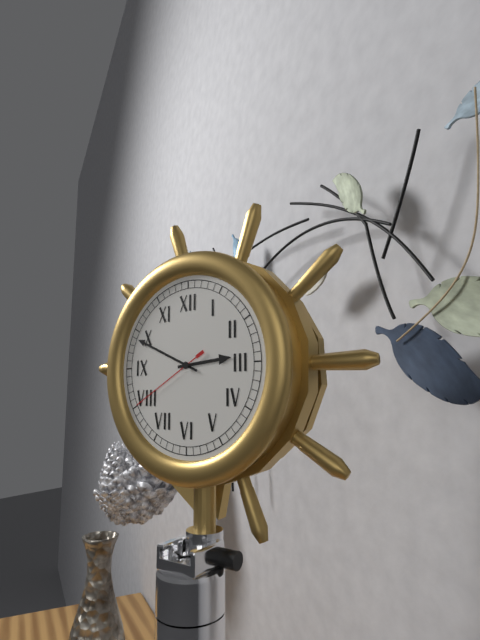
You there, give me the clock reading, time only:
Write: 2:49:40
